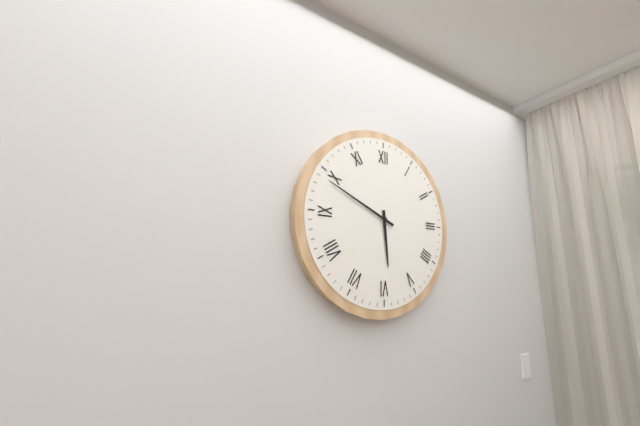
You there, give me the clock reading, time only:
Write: 5:49
